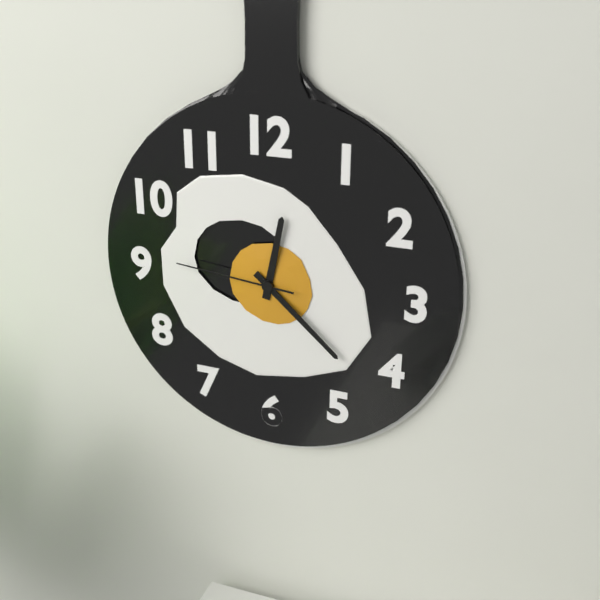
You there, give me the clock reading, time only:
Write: 12:22:46
